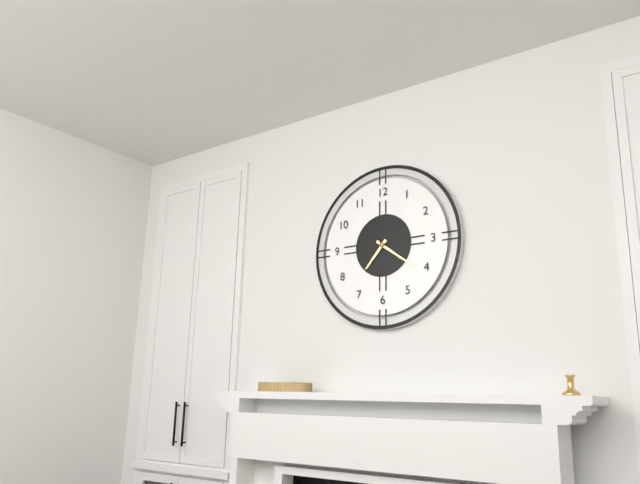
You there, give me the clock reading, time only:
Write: 7:21
